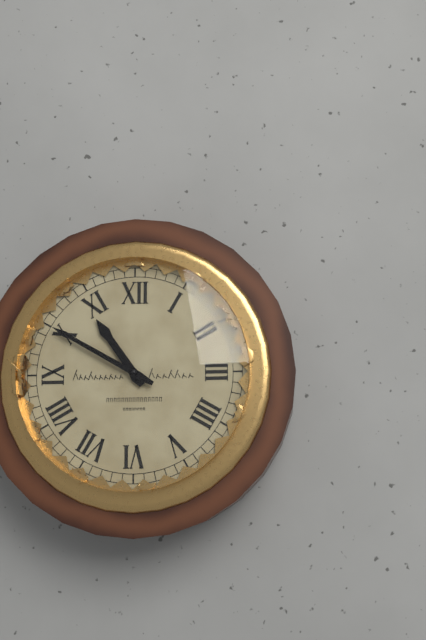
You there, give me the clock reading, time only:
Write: 10:50
